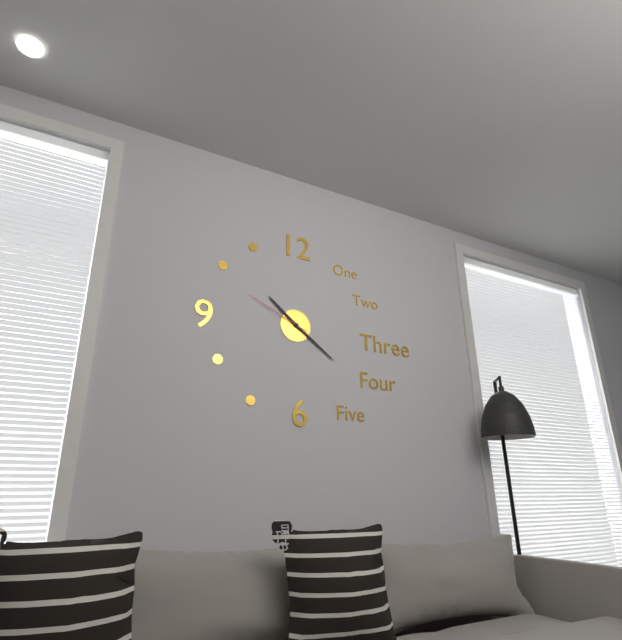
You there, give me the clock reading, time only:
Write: 10:21:49
